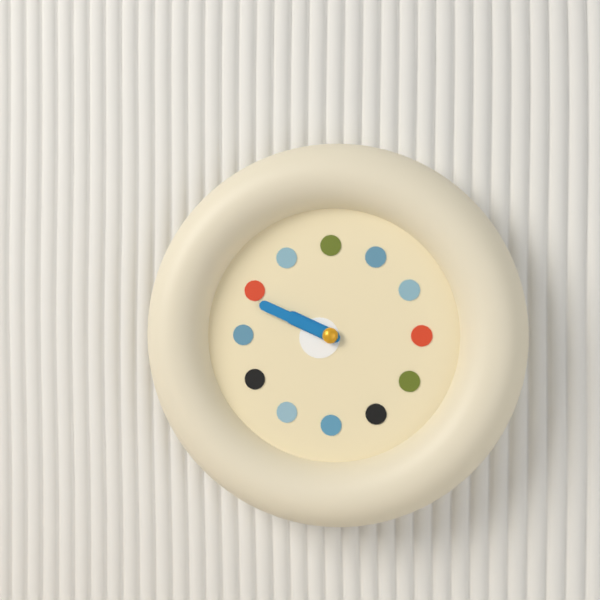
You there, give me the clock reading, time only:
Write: 9:49
